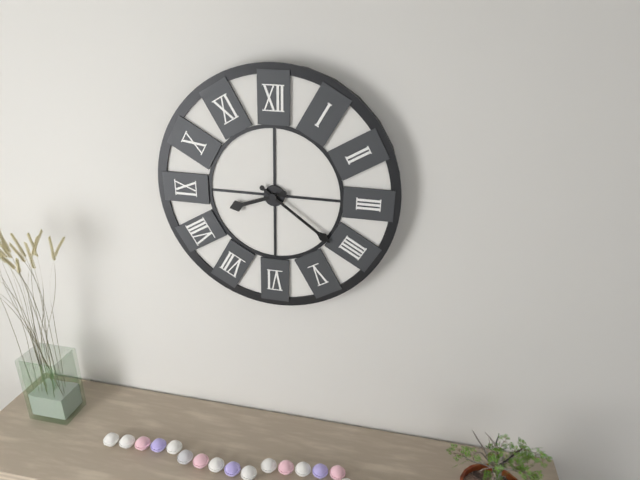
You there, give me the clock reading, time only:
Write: 8:21
